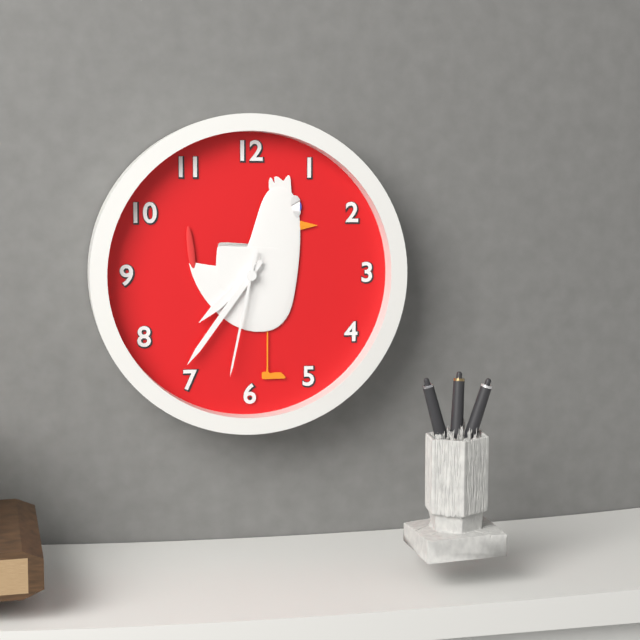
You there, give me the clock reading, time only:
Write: 7:36:32
